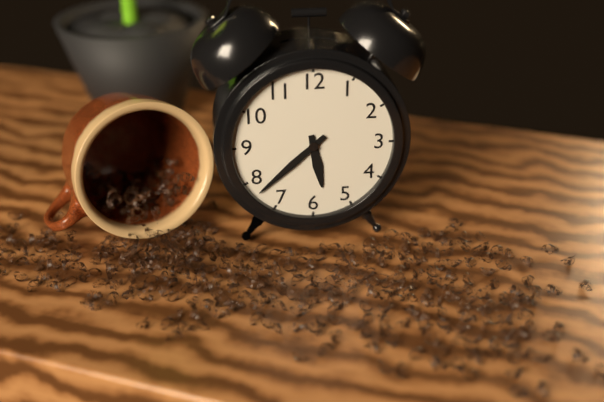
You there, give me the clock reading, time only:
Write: 5:38
